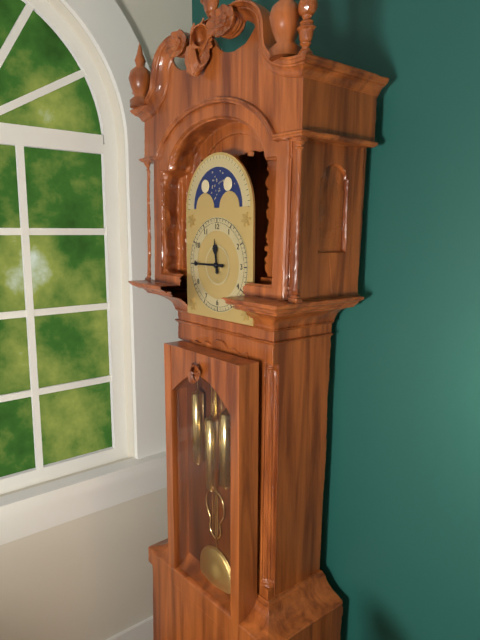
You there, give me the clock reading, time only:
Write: 11:45
